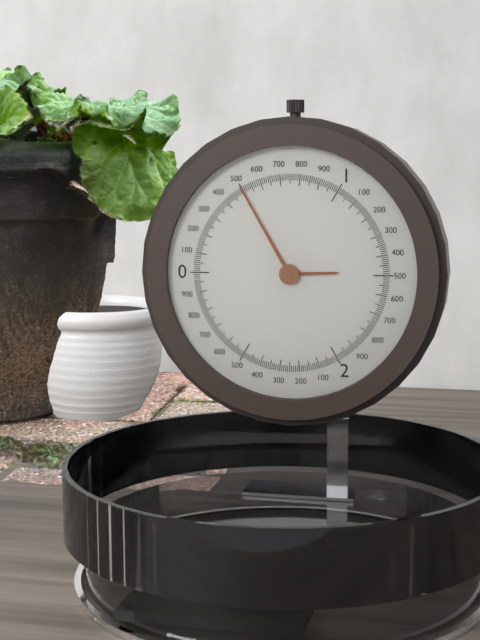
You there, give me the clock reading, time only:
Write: 2:55
